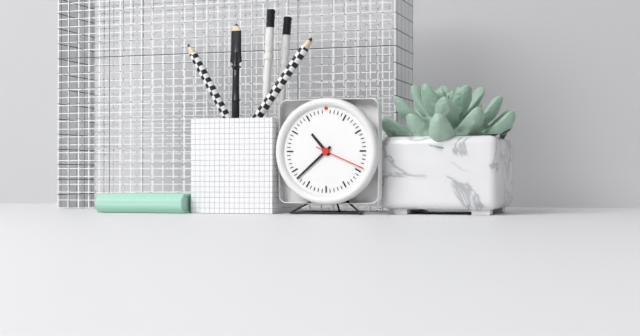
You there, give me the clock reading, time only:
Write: 10:38:19
